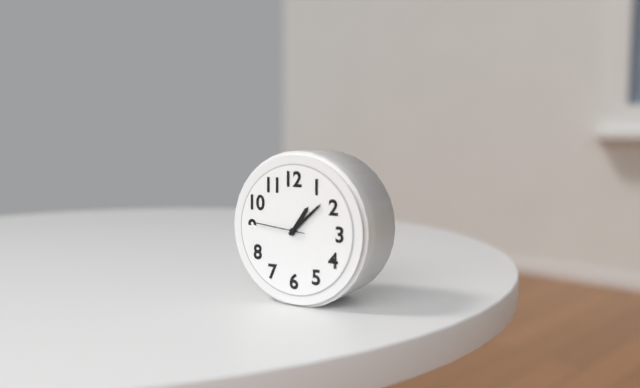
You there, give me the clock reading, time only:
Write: 1:08
